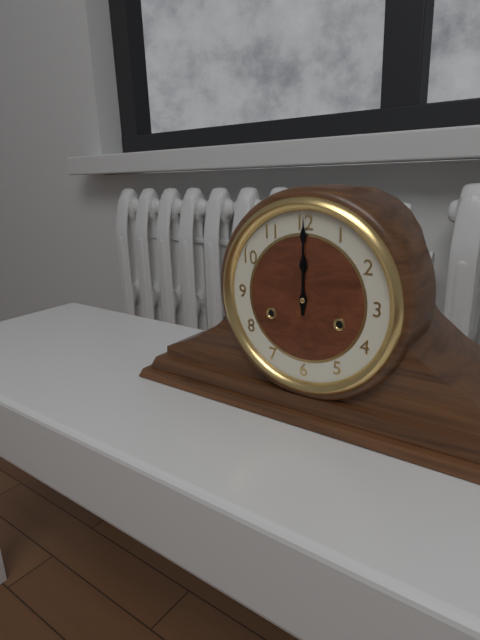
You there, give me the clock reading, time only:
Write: 12:00
